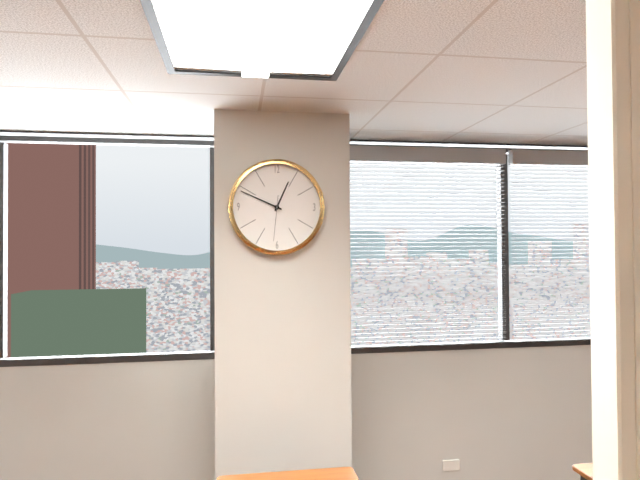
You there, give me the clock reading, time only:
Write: 12:49
